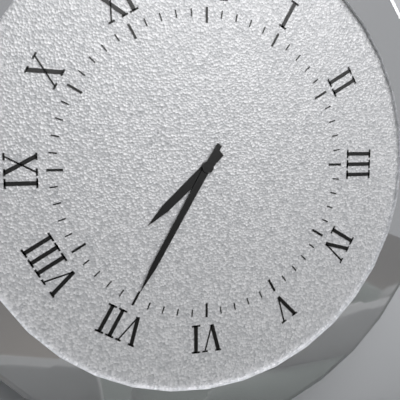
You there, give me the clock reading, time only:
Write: 7:35
